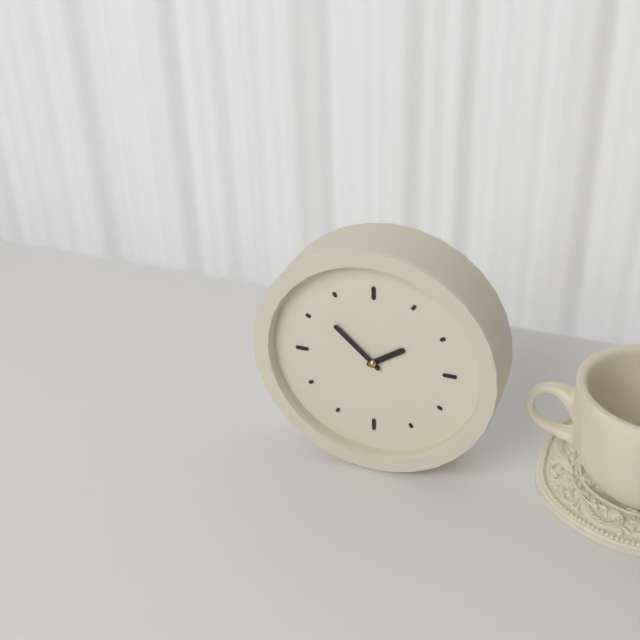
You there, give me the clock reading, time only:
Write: 1:52
